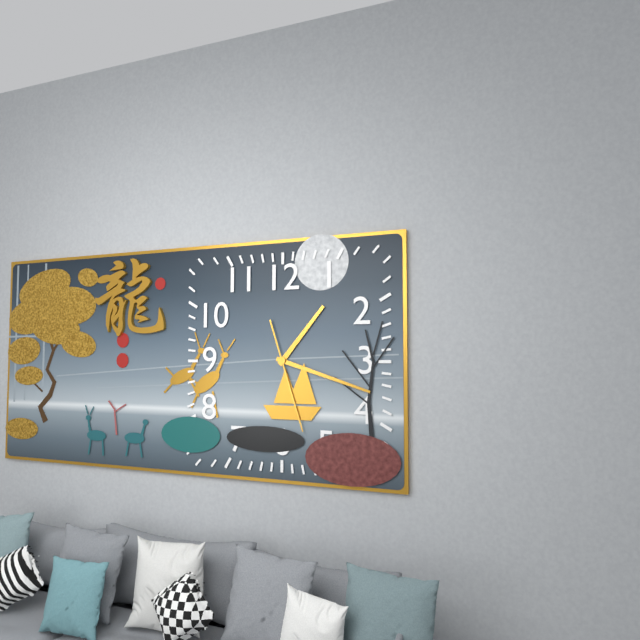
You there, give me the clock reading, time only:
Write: 1:18:27
